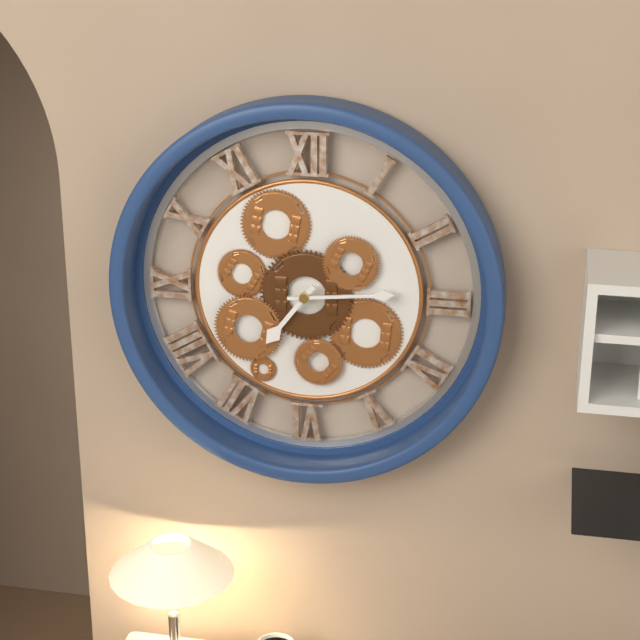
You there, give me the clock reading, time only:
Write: 7:14
